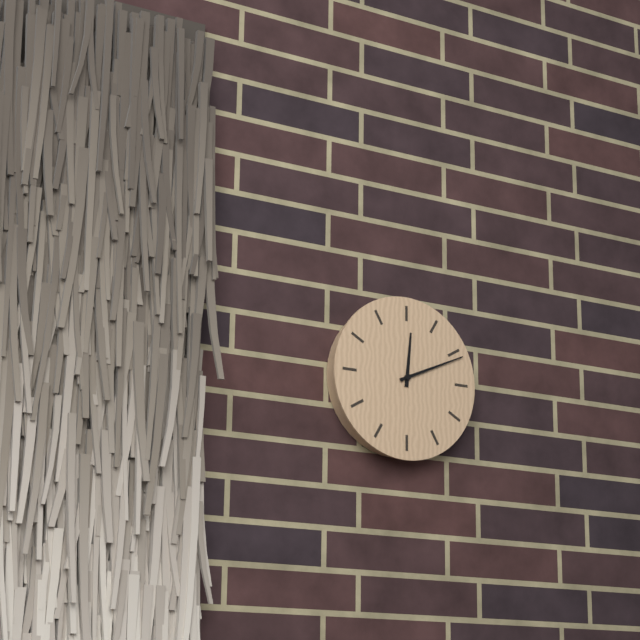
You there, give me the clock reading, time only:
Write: 12:11
